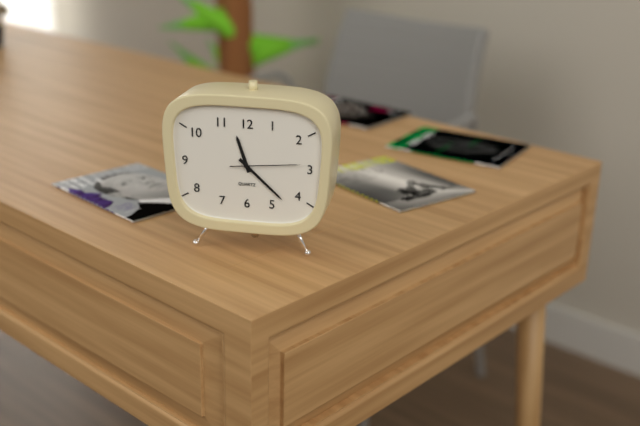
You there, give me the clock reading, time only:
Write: 11:22:14
